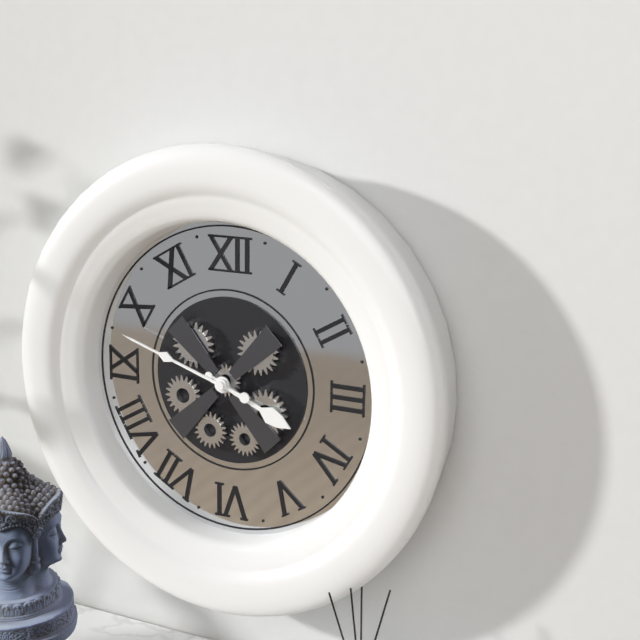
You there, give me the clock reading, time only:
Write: 3:48
